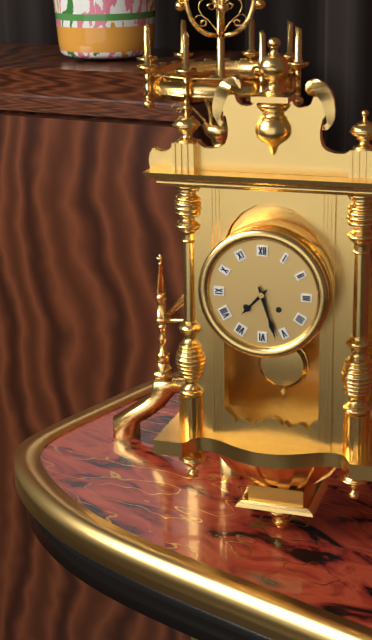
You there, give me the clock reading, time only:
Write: 7:27
